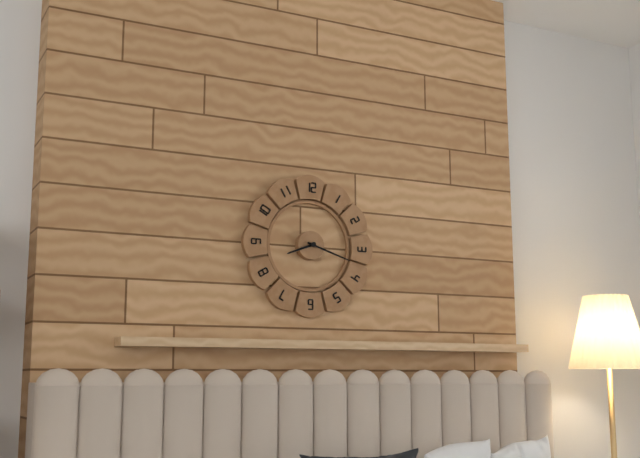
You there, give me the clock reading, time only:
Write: 8:18
